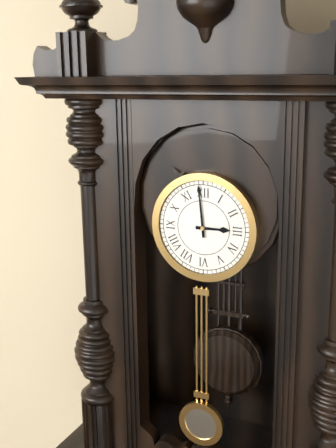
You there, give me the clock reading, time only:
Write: 2:59
